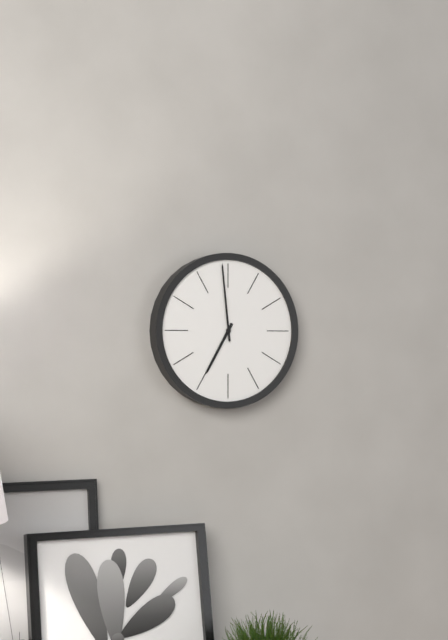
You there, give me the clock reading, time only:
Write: 6:59
